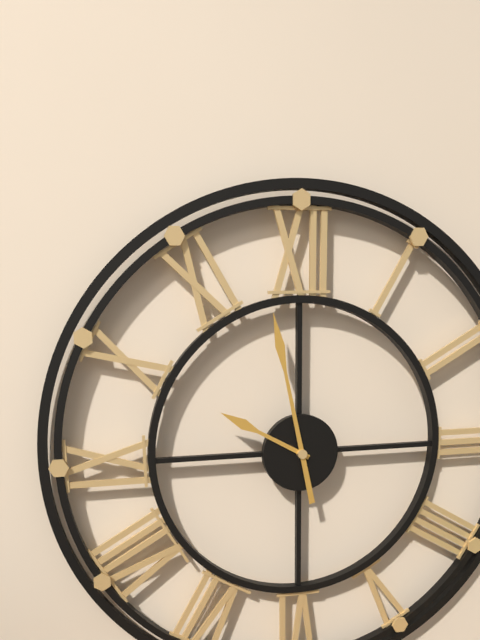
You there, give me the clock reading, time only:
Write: 9:58
